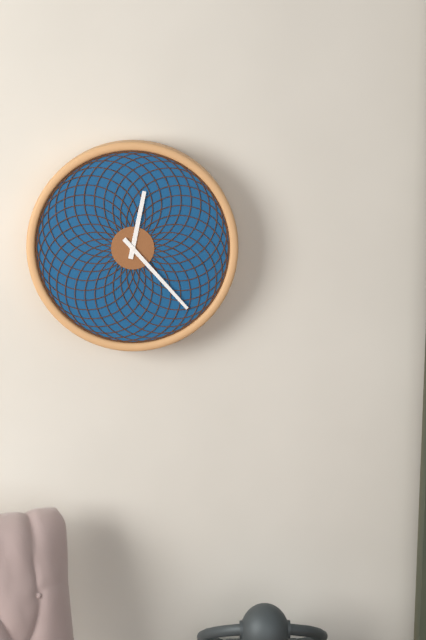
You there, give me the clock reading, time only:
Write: 12:23
